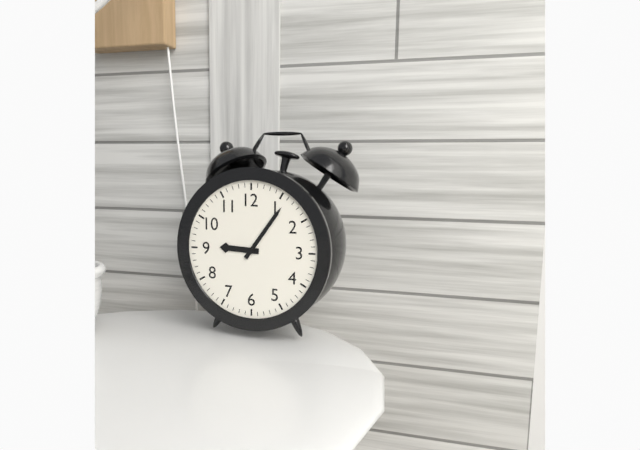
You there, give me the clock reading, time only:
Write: 9:06
